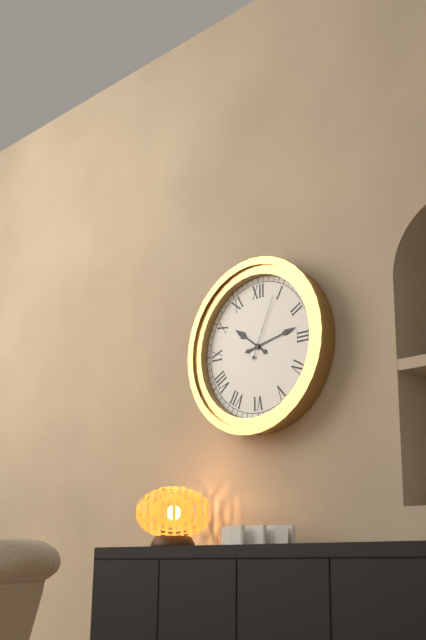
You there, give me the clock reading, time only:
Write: 10:13:04
